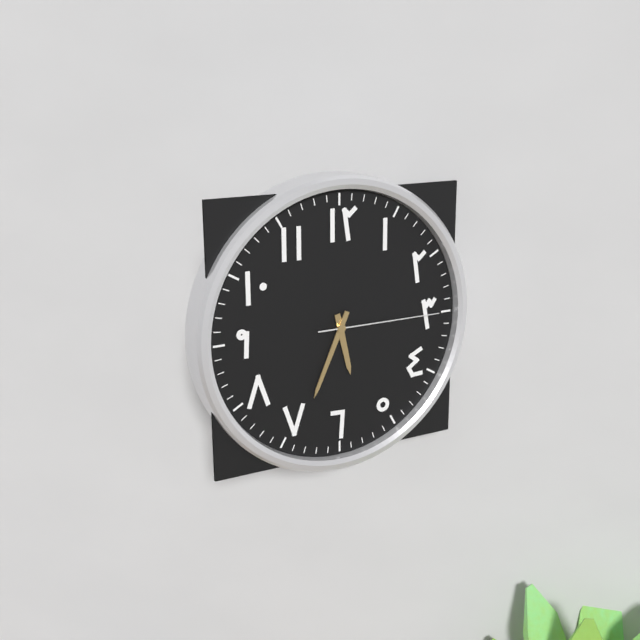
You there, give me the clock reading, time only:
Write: 5:34:15
